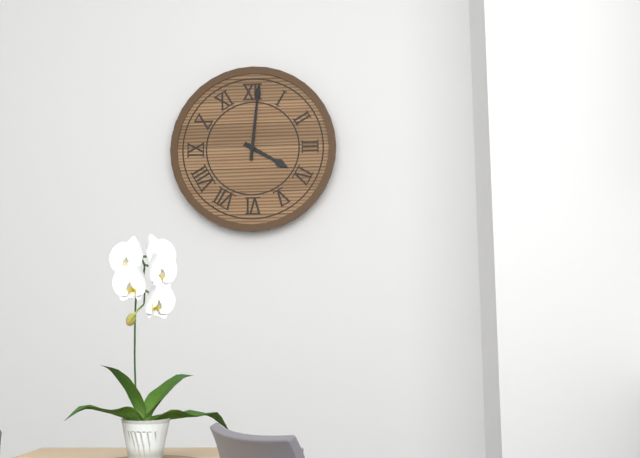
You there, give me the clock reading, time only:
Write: 4:01
